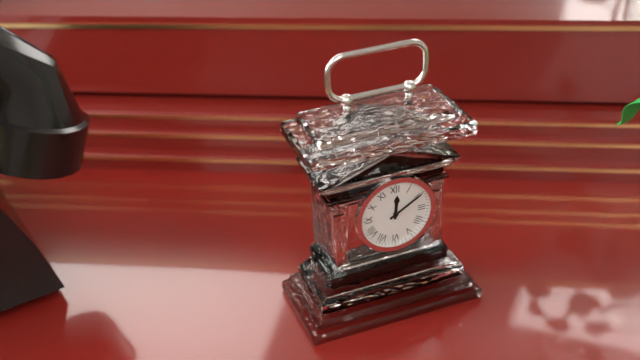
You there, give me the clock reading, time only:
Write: 12:10
